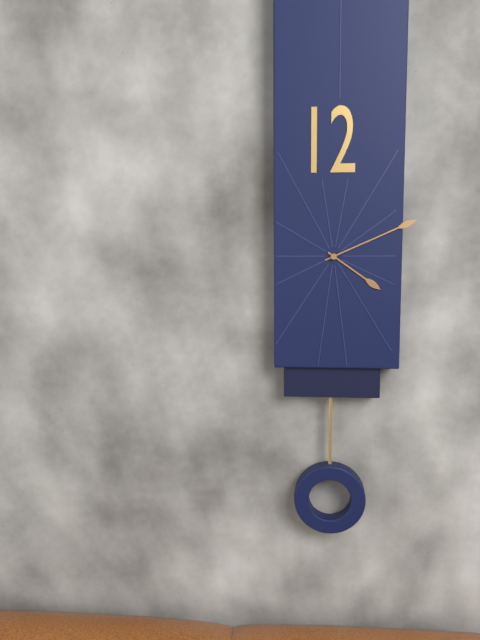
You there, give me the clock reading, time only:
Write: 4:11
